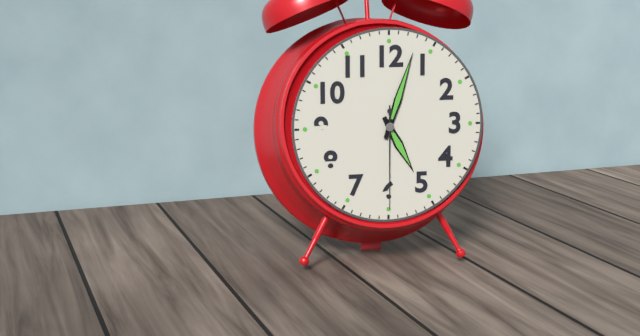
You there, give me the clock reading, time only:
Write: 5:03:30
